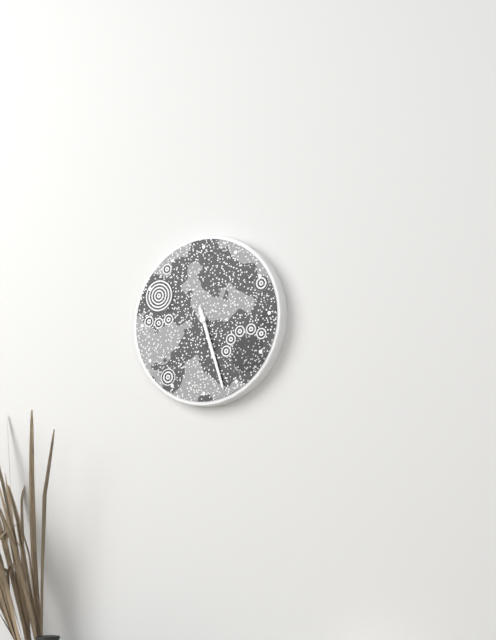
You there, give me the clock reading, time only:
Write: 5:27
